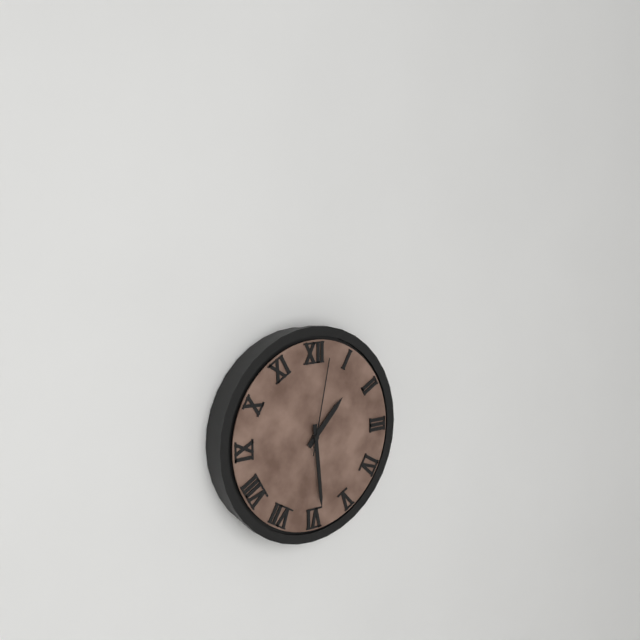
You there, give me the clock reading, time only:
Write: 1:29:02
